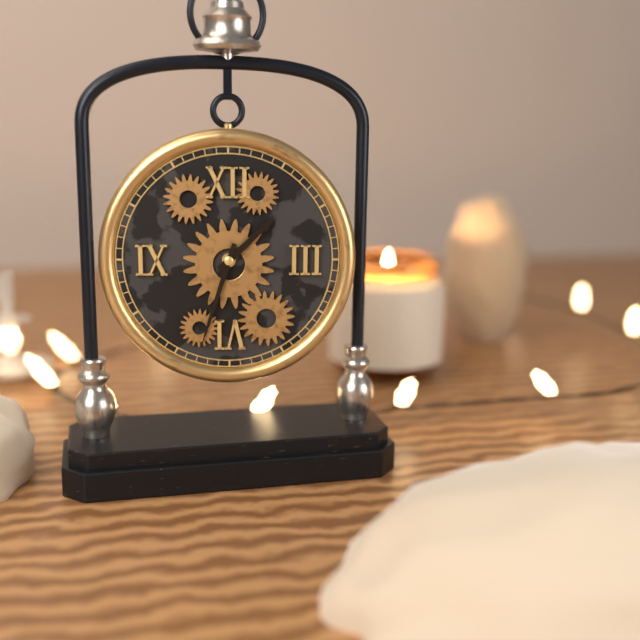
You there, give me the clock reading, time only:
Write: 1:33
